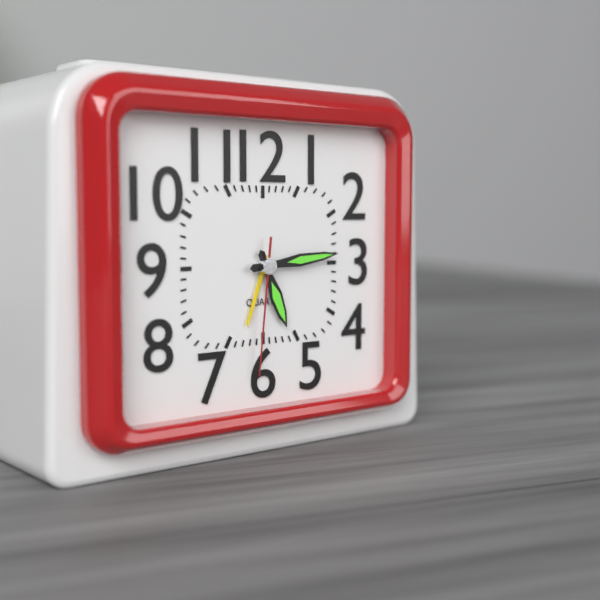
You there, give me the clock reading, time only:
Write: 5:14:31
